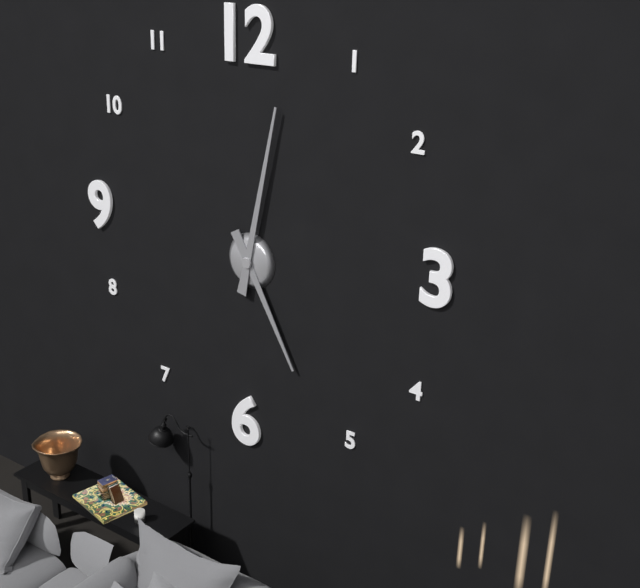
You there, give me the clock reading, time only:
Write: 5:02
